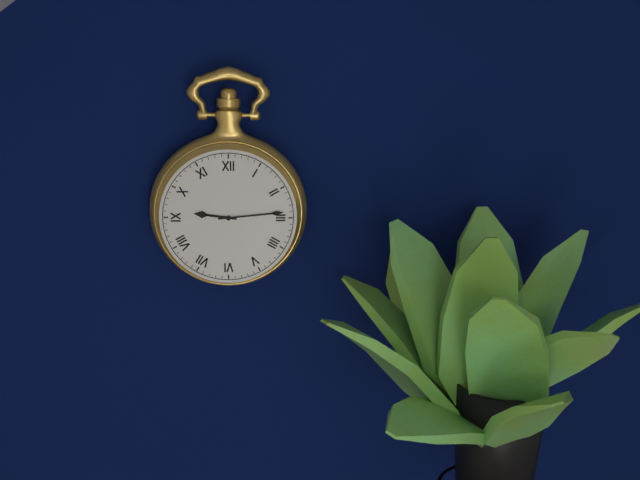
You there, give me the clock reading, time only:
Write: 9:14
